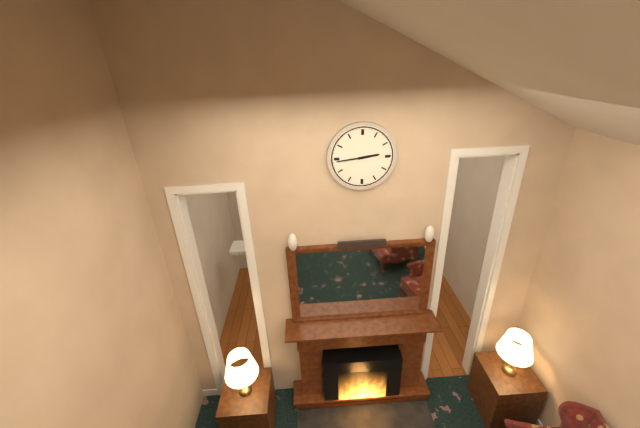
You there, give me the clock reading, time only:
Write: 2:44
